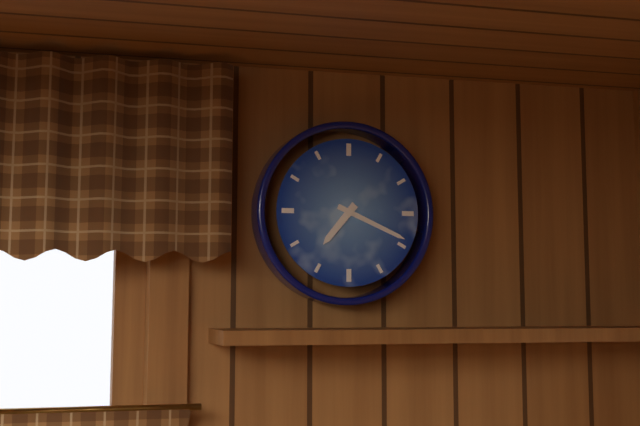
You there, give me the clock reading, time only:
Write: 7:19
